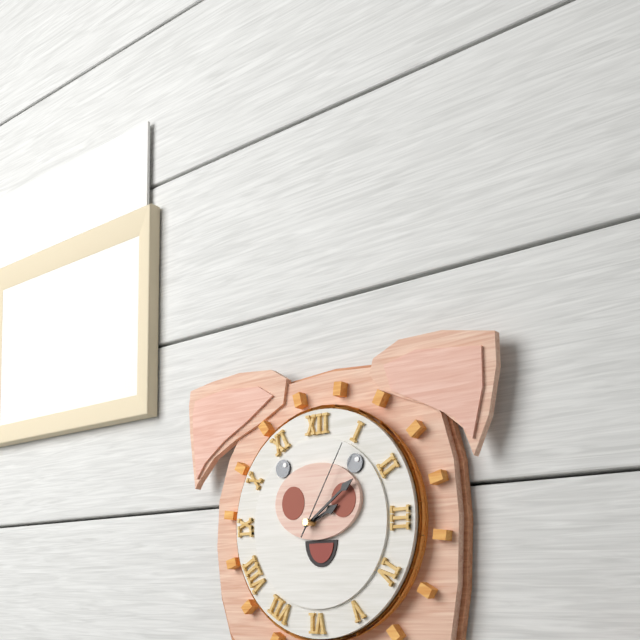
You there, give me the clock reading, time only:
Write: 2:09:05
